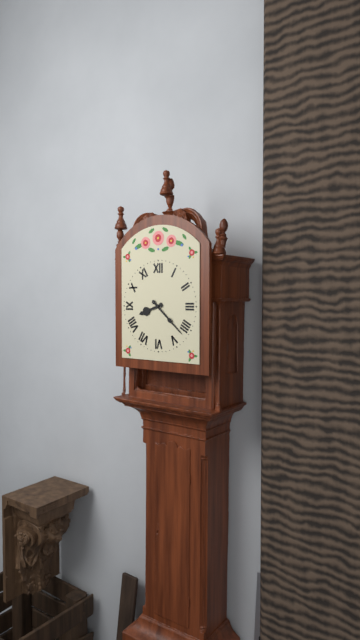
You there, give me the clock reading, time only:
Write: 8:22
